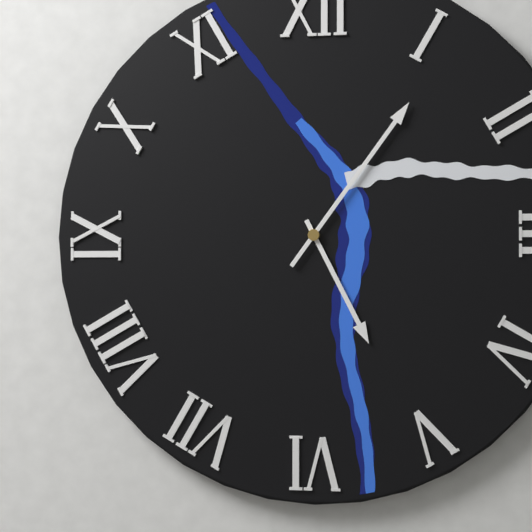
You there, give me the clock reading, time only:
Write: 5:06
